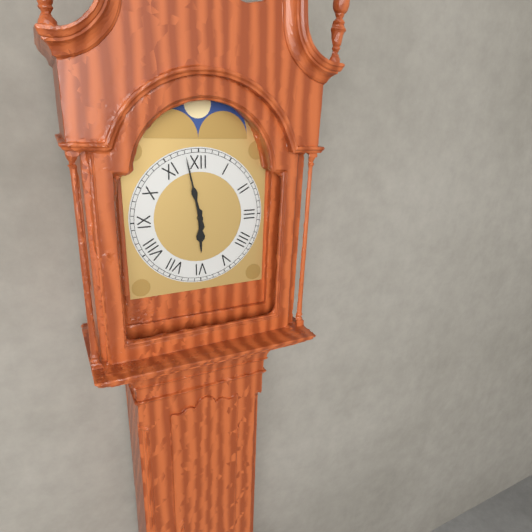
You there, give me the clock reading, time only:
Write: 5:58
